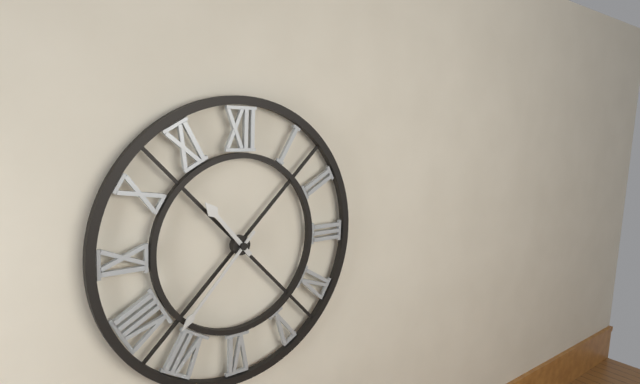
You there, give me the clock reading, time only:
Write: 10:37
